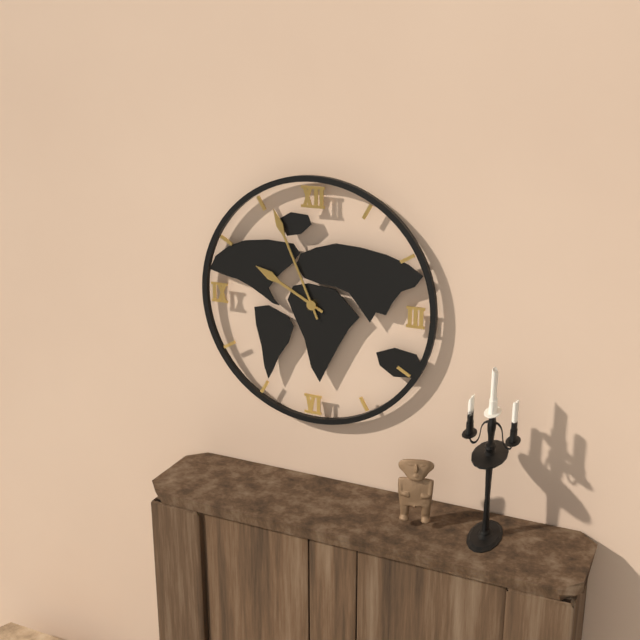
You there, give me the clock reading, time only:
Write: 9:56
